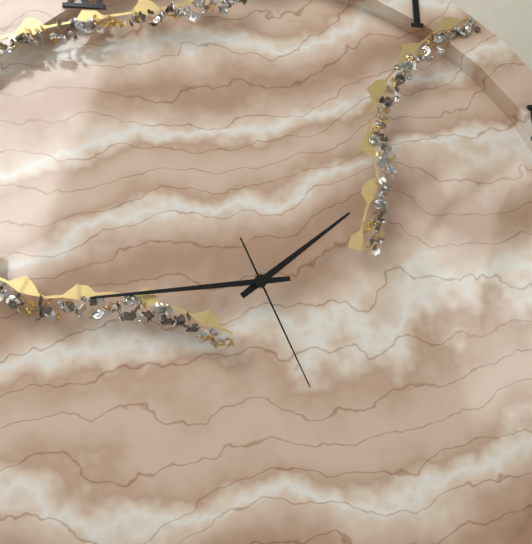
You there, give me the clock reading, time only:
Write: 1:44:26
